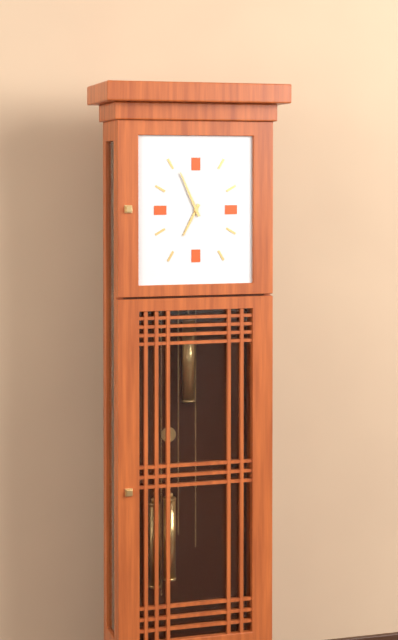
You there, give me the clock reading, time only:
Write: 6:56
